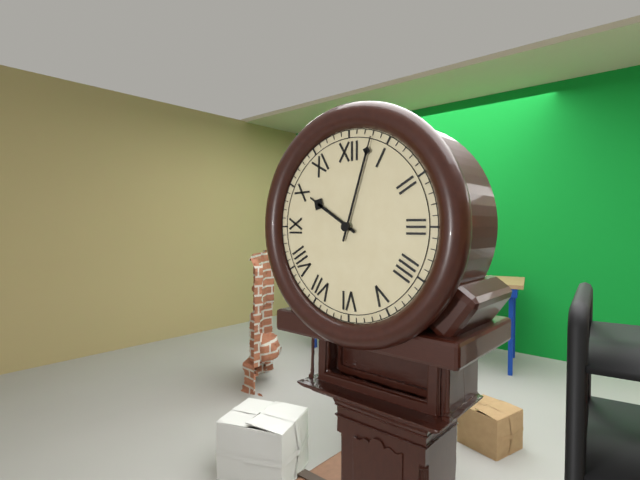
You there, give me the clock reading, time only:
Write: 10:03
